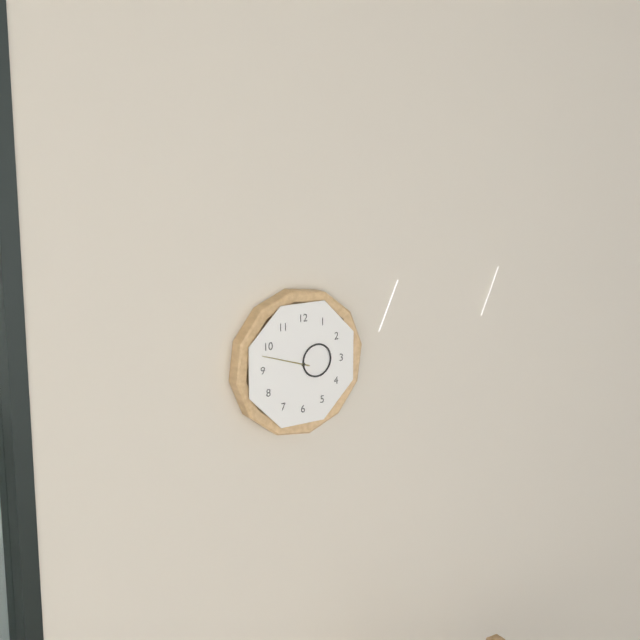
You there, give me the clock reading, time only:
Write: 2:48
